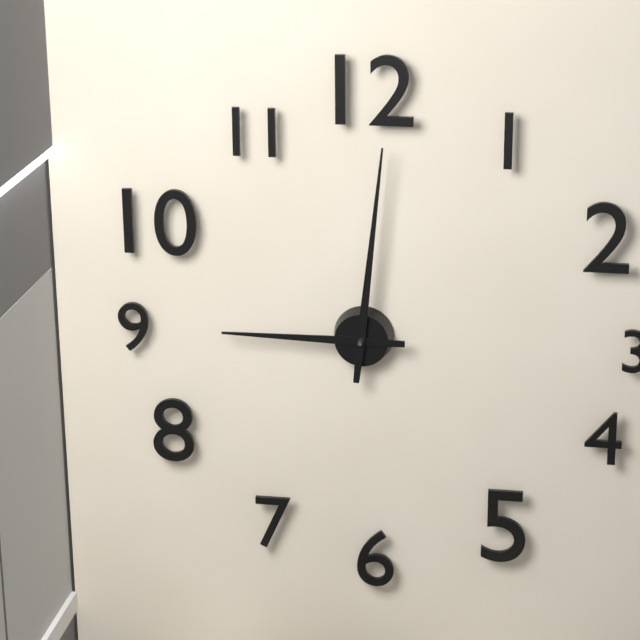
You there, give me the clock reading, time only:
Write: 9:01
